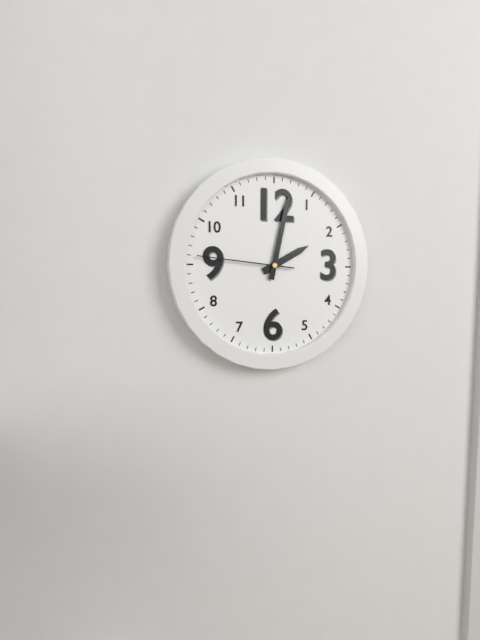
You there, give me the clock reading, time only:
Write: 2:02:46
